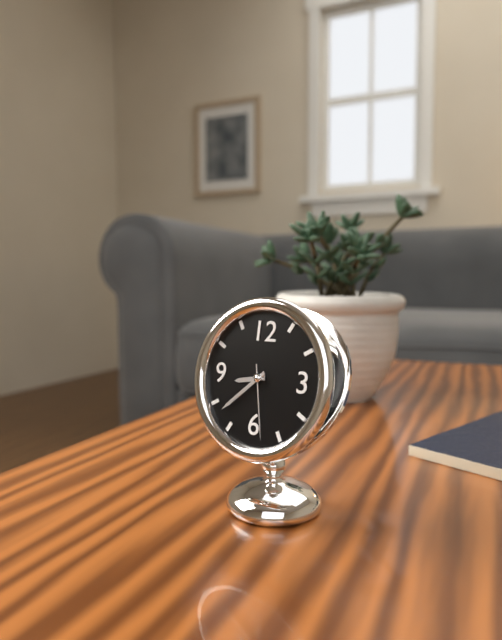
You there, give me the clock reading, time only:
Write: 8:38:28
